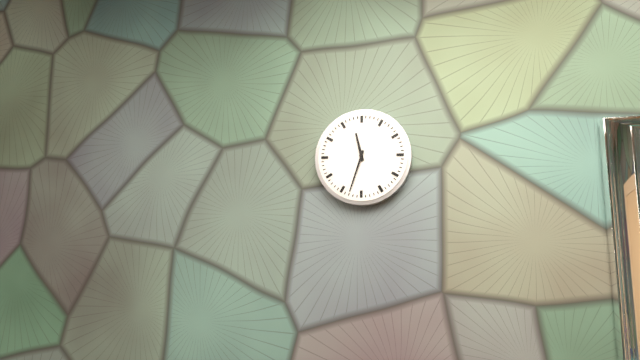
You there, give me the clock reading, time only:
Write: 11:33
